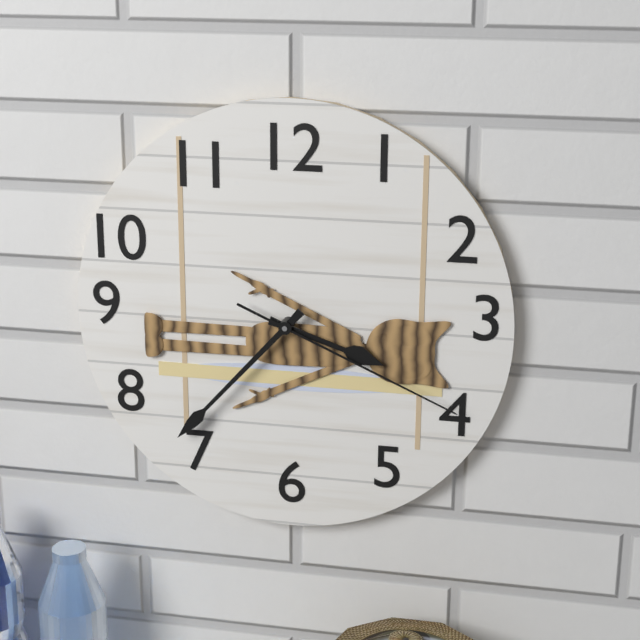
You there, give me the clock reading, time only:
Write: 3:37:19
